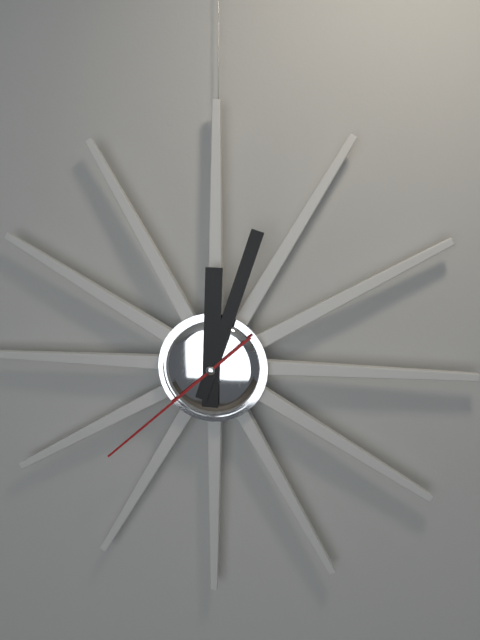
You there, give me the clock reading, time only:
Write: 12:03:38
